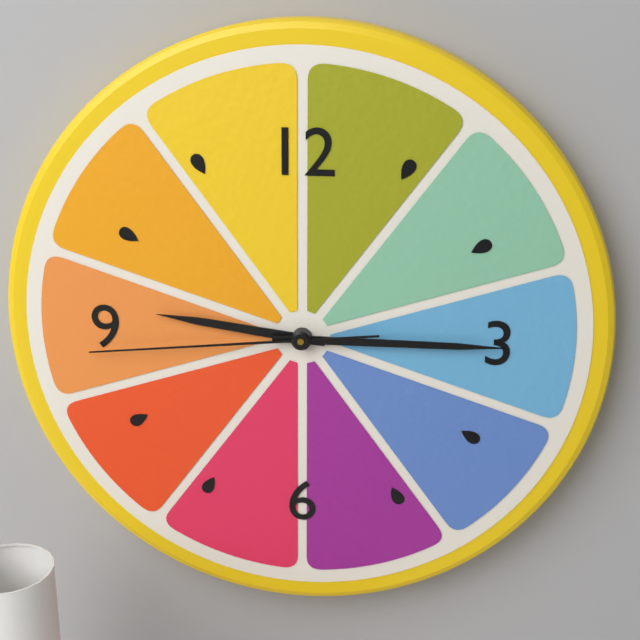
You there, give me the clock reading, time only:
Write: 9:15:44
